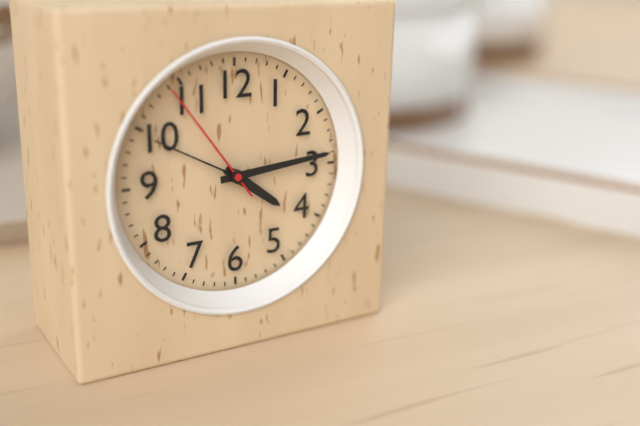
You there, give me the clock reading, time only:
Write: 4:14:54
